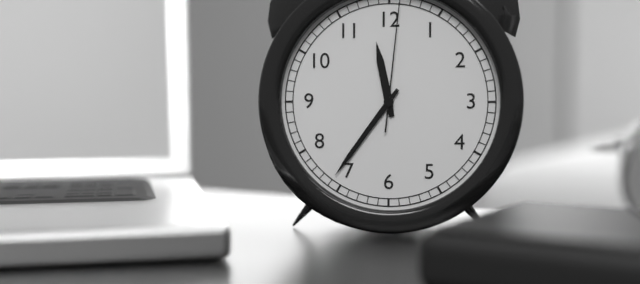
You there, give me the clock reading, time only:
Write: 11:36:01
